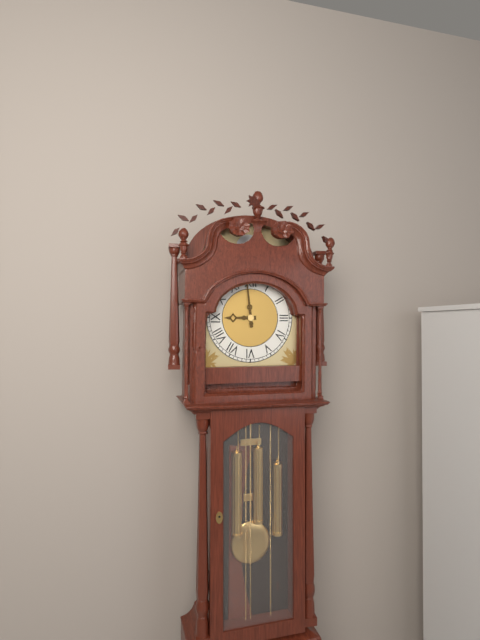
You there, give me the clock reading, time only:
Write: 8:59
